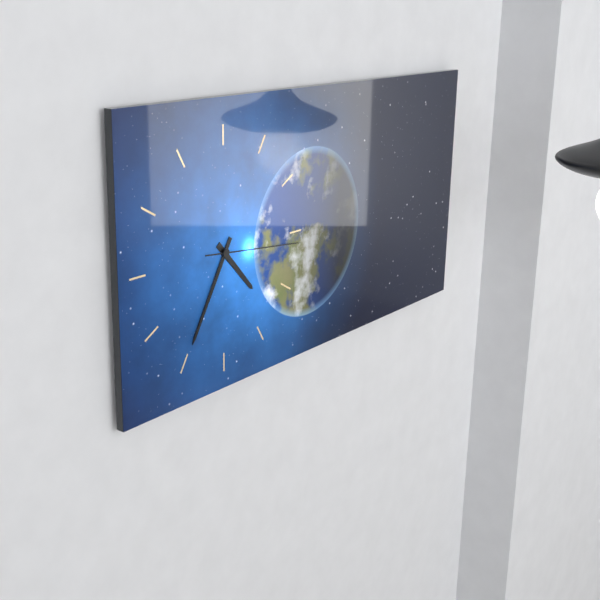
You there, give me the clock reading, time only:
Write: 4:35:16
